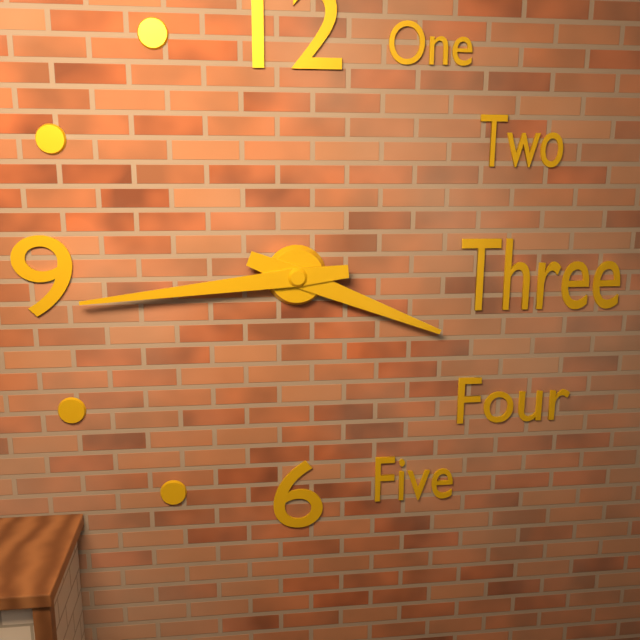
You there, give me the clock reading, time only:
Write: 3:44
